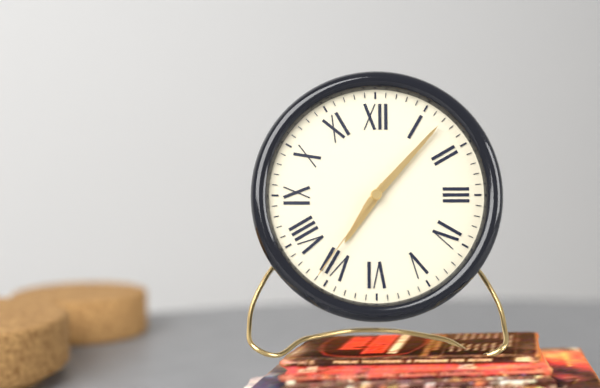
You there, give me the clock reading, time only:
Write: 7:07:36
